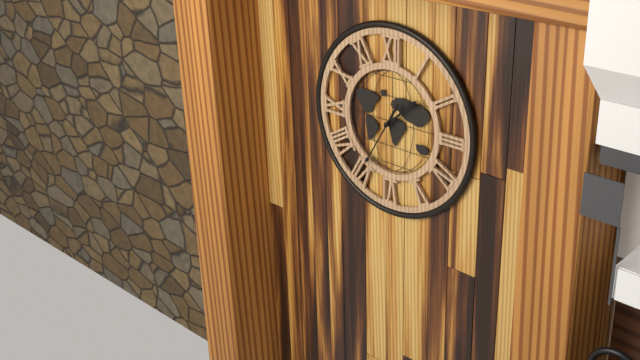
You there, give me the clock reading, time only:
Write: 1:35
